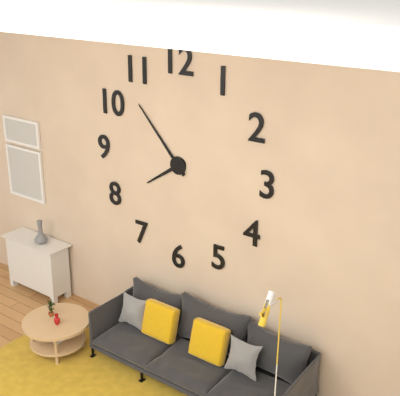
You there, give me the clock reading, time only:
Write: 7:53
